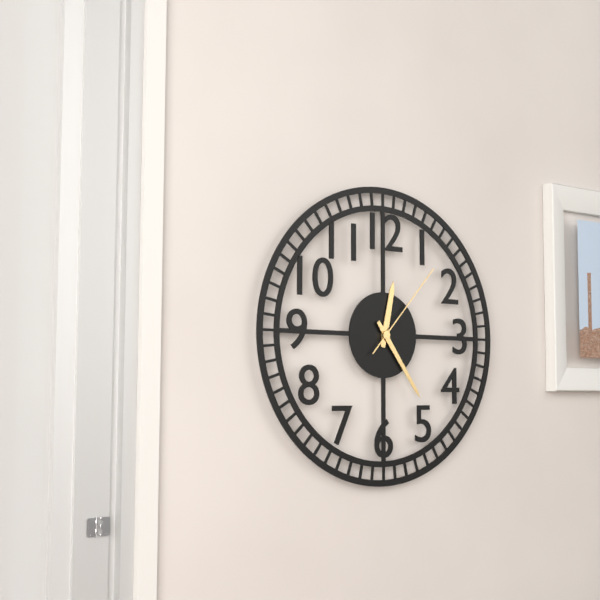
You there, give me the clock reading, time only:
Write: 12:24:07
